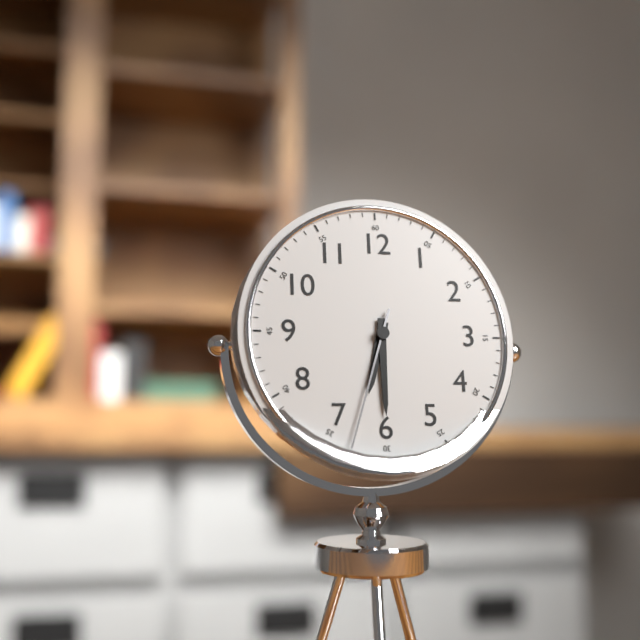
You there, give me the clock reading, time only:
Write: 6:30:33
